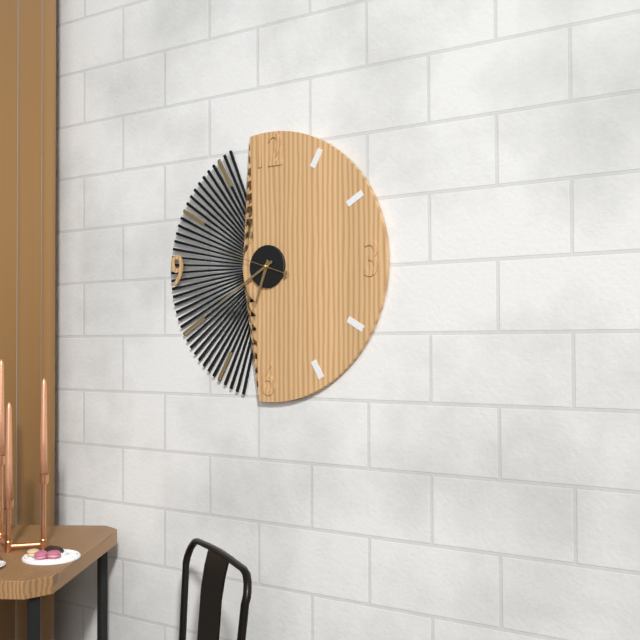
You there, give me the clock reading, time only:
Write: 6:40:48
